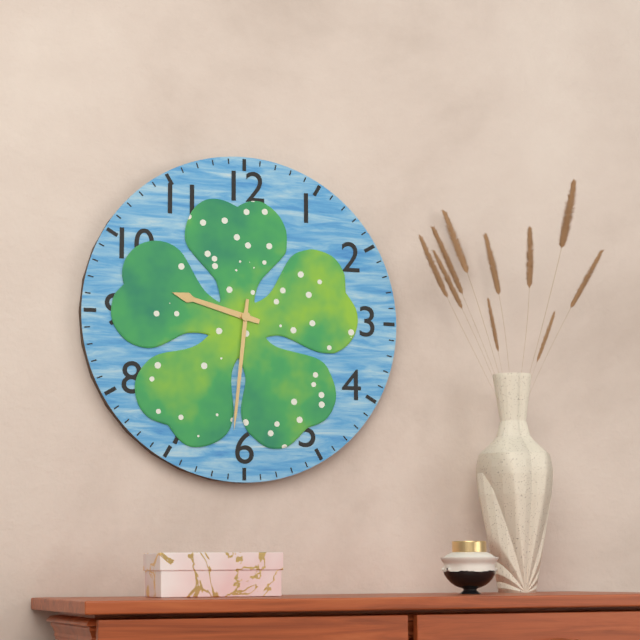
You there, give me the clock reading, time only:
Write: 9:31
